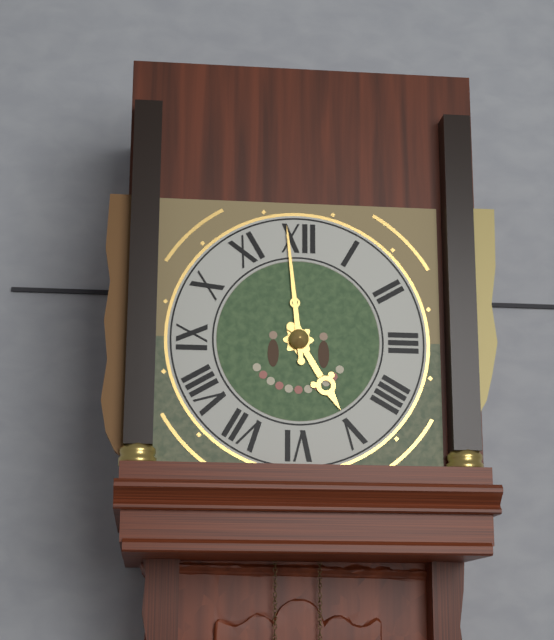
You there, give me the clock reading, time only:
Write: 4:59
